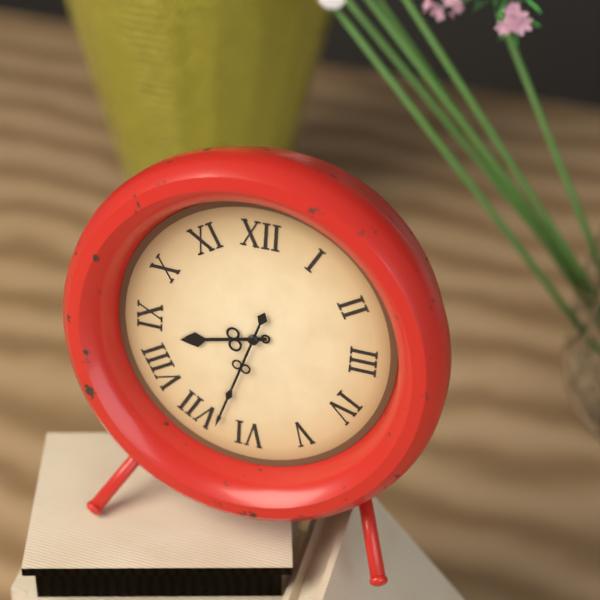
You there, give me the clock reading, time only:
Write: 8:33
